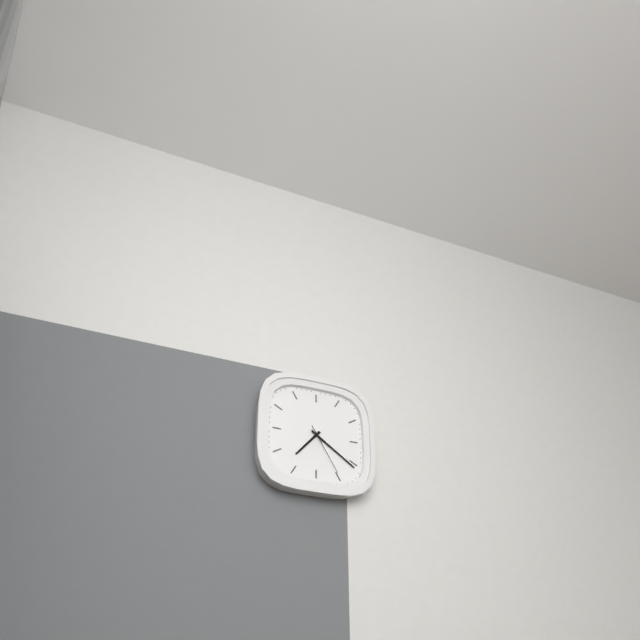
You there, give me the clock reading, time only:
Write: 7:21:25
